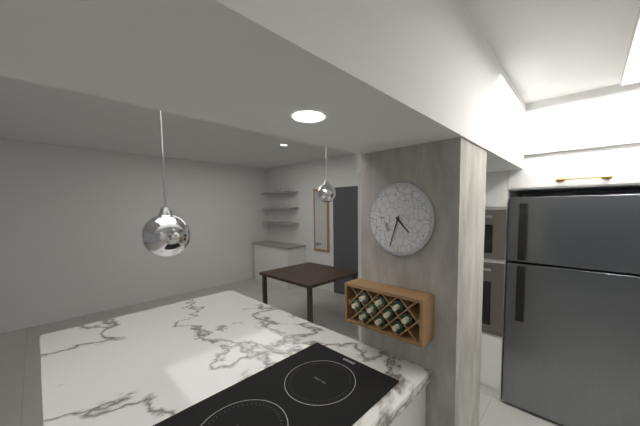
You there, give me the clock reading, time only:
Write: 4:33
